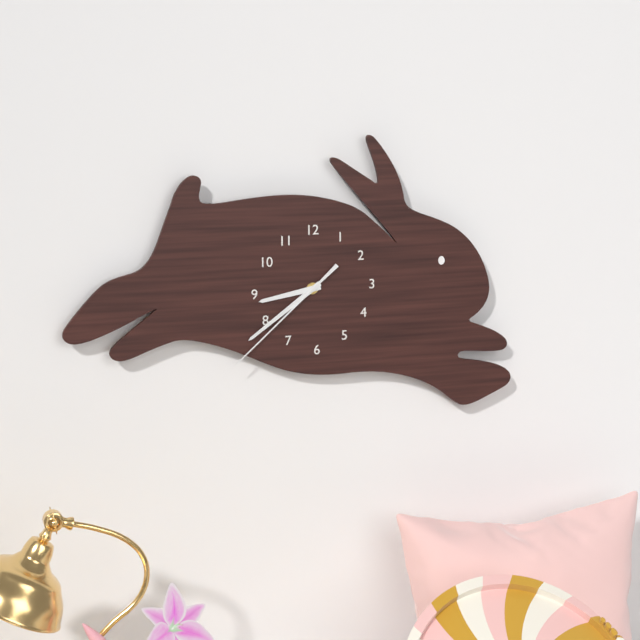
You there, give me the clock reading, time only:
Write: 8:39:38
